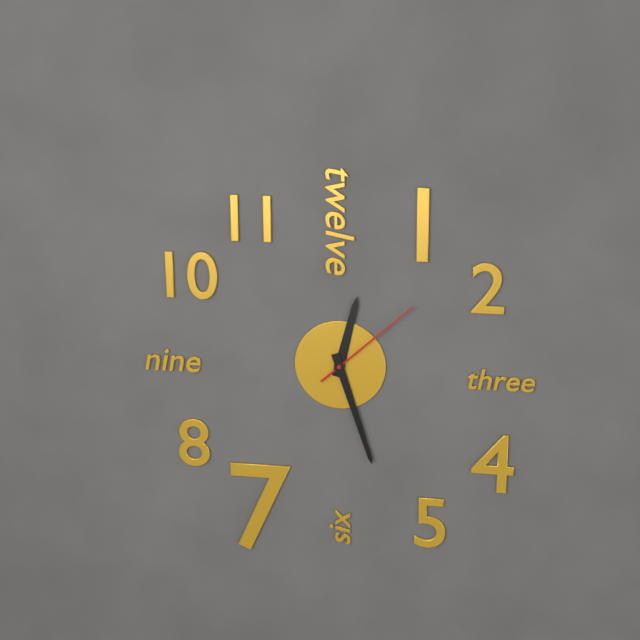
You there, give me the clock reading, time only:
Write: 12:27:08
